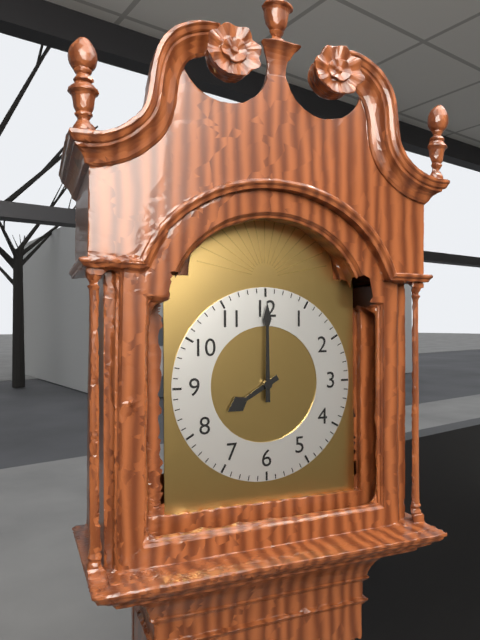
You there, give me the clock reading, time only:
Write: 8:00
